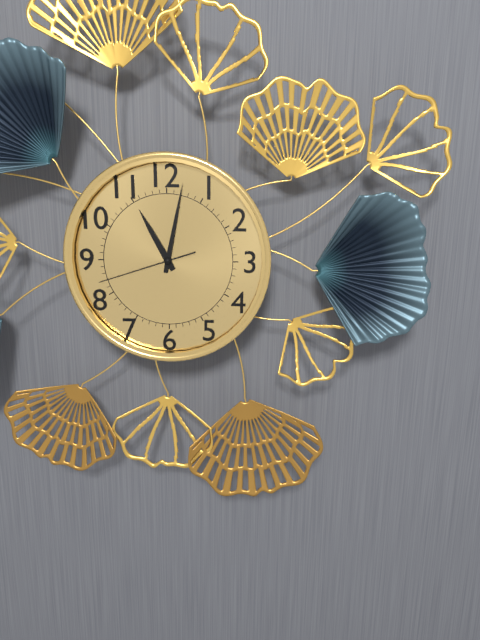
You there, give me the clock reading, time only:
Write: 11:02:42
